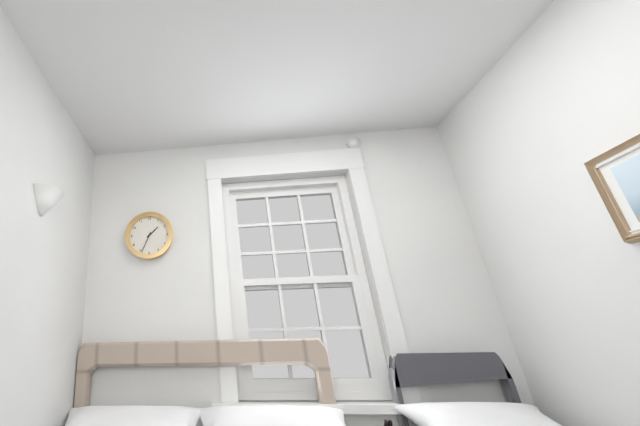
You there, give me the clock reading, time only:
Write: 1:34
